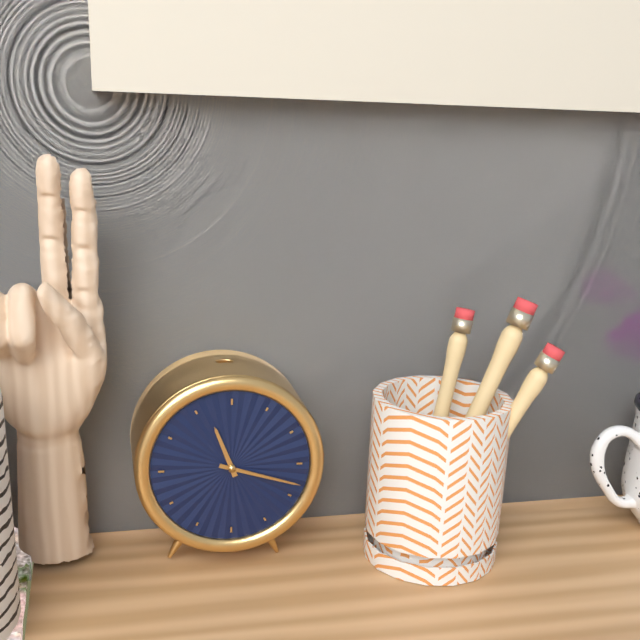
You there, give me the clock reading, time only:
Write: 11:18
